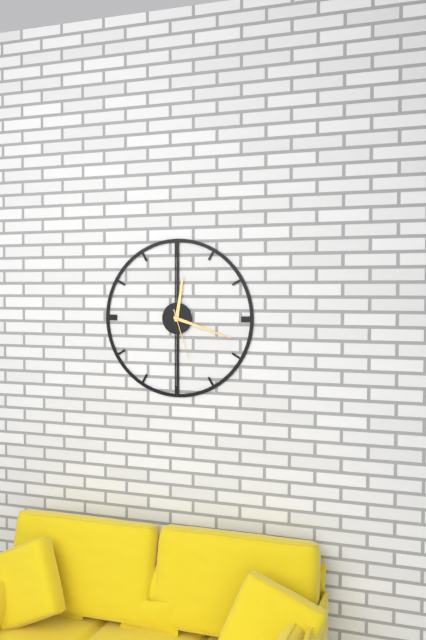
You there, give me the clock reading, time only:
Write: 12:18:27
